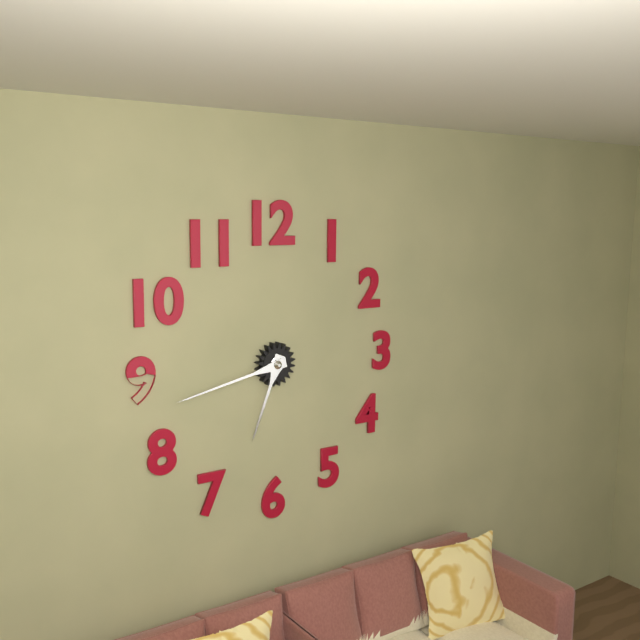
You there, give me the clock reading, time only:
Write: 6:43
